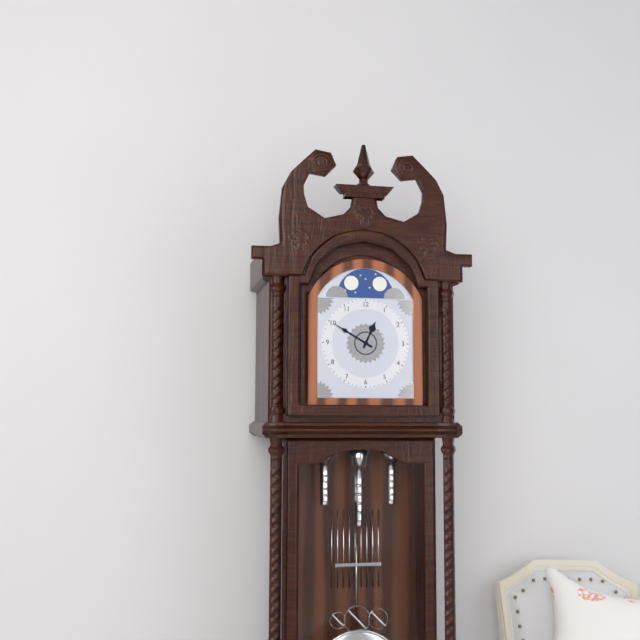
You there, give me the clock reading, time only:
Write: 12:50
